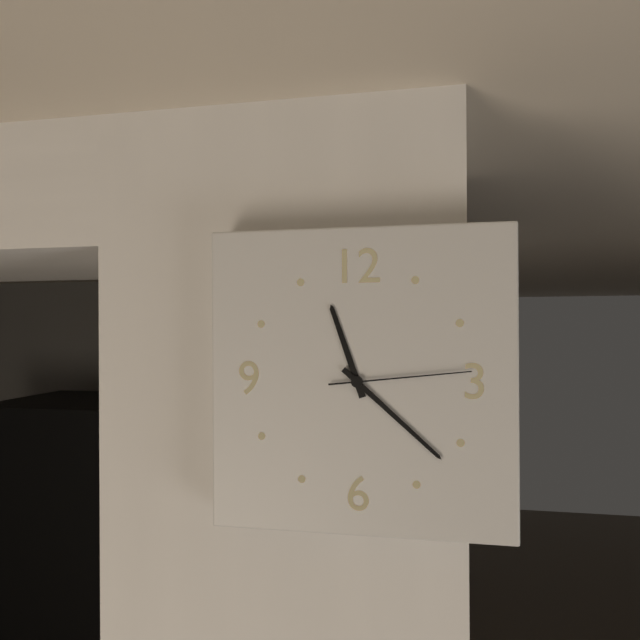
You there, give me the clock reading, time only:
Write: 11:22:14
